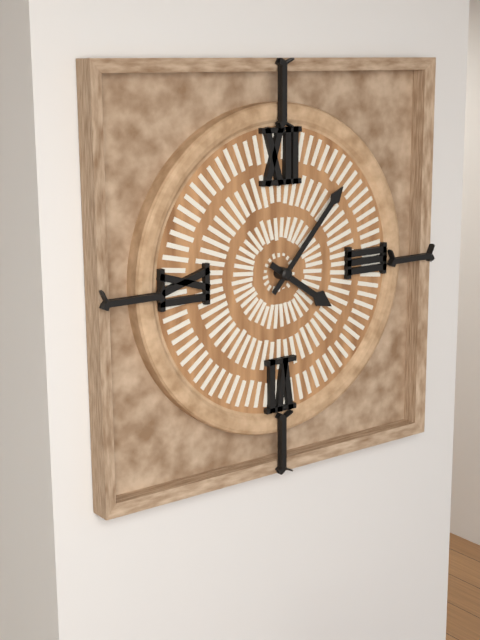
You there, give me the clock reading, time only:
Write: 4:07
